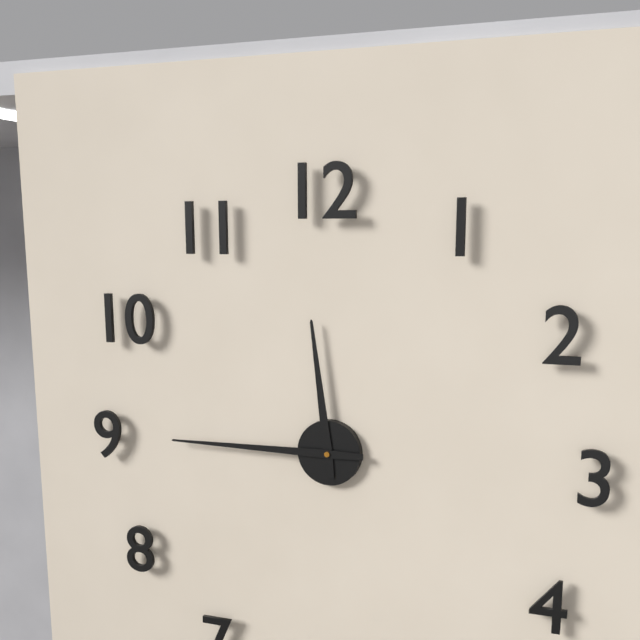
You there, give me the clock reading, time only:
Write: 11:45
